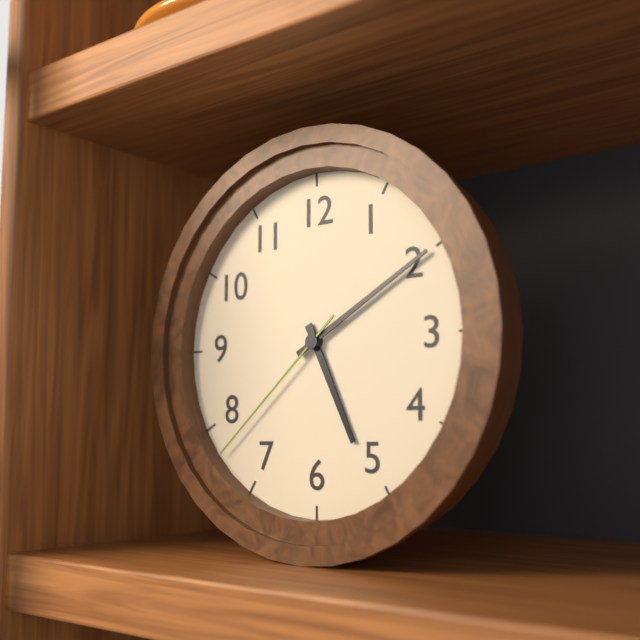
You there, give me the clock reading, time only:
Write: 5:10:38
